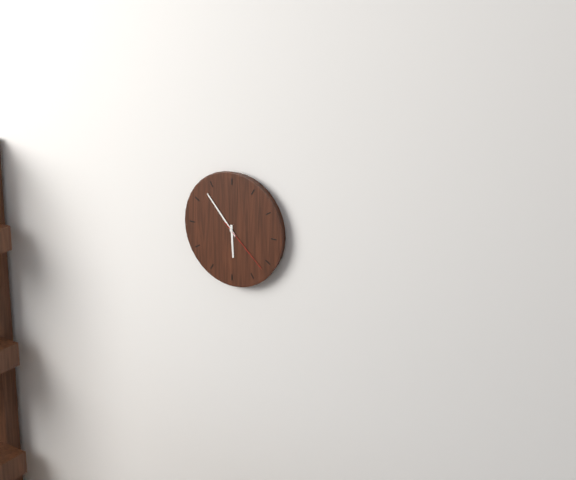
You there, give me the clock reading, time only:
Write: 5:53:22
